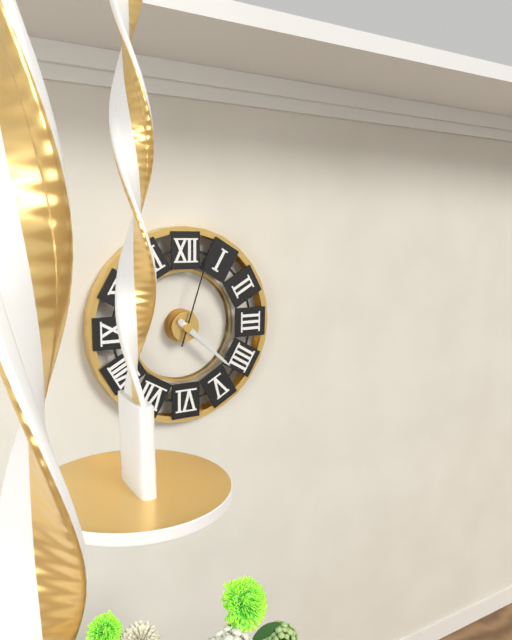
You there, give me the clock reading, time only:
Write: 4:22:03
